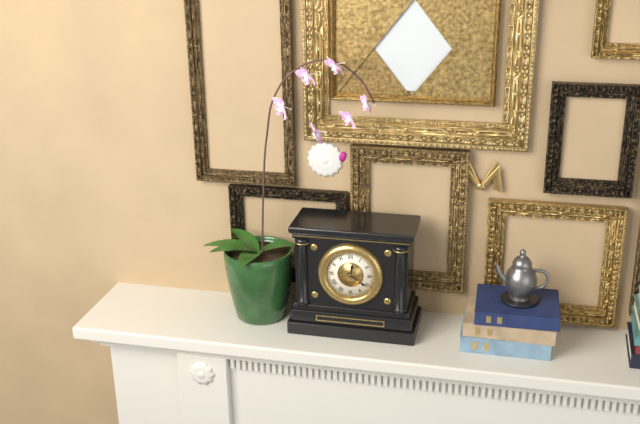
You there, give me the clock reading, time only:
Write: 12:21
